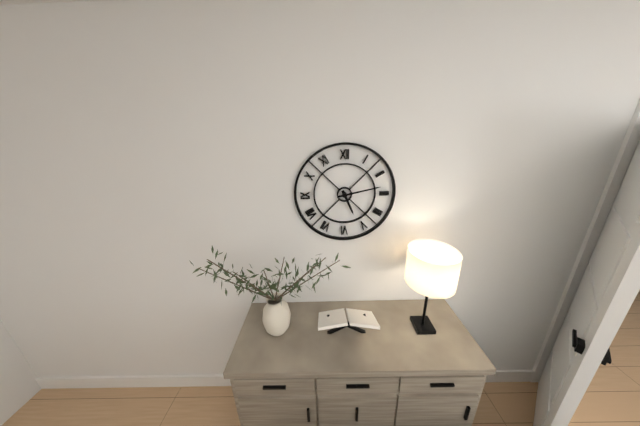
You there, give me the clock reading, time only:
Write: 5:13
